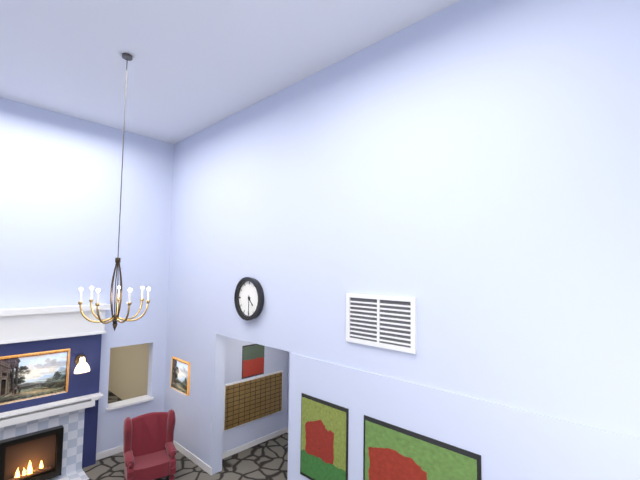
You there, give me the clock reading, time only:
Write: 4:30
